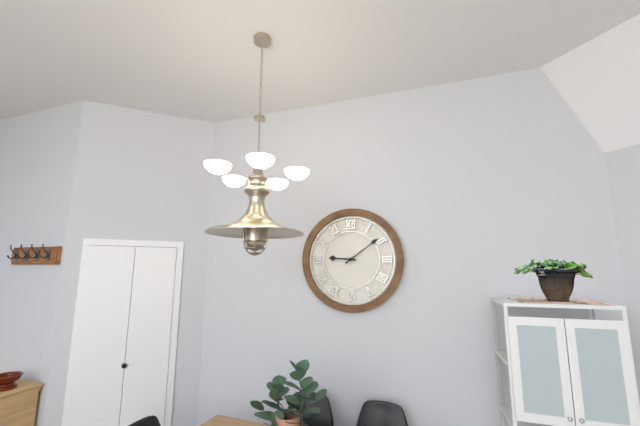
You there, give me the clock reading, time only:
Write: 9:09
